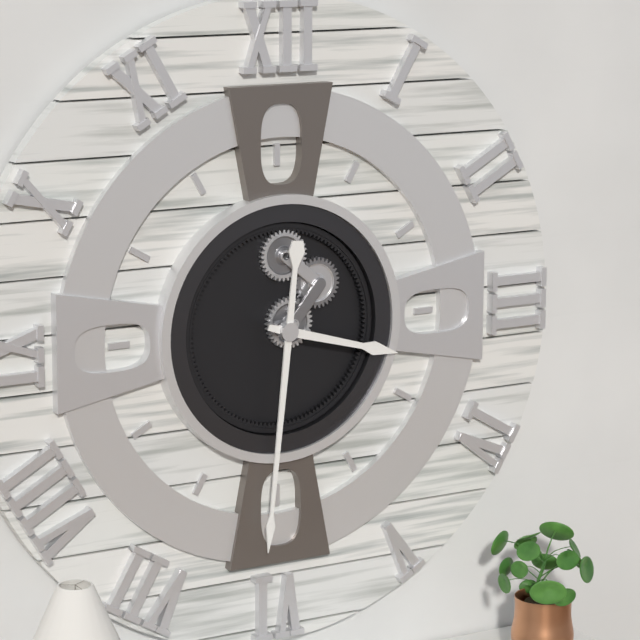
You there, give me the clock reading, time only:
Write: 3:31
